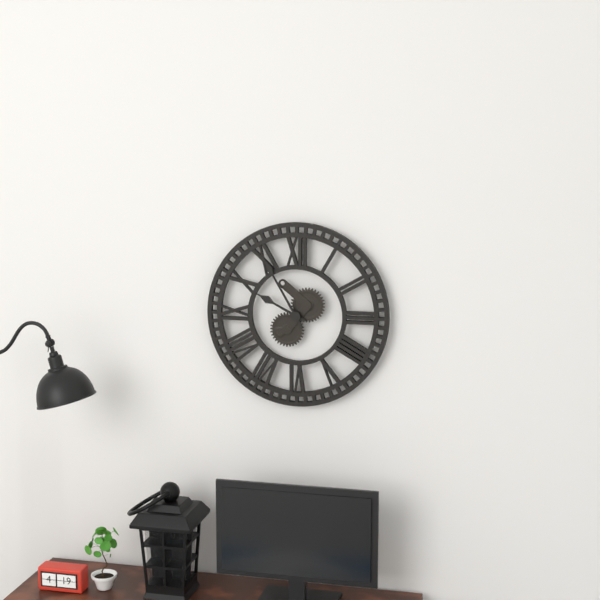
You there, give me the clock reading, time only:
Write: 9:55
